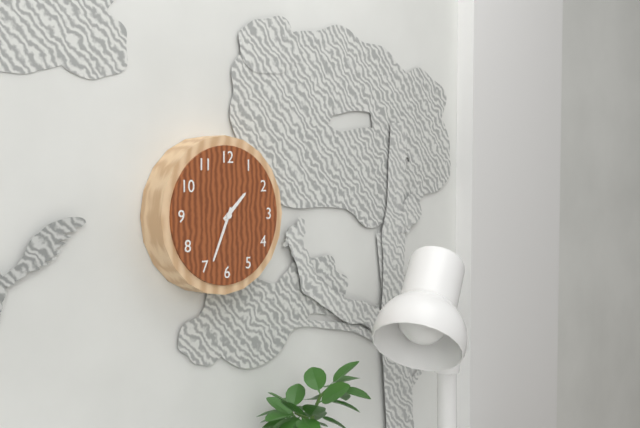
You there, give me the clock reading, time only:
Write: 1:34
